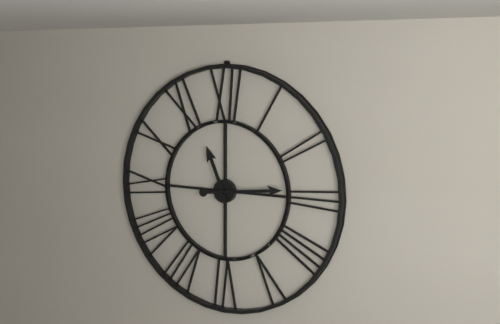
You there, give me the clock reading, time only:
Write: 11:14
